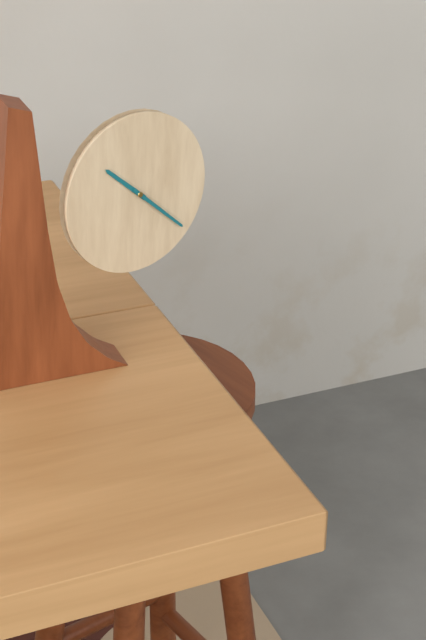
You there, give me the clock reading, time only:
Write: 10:22
